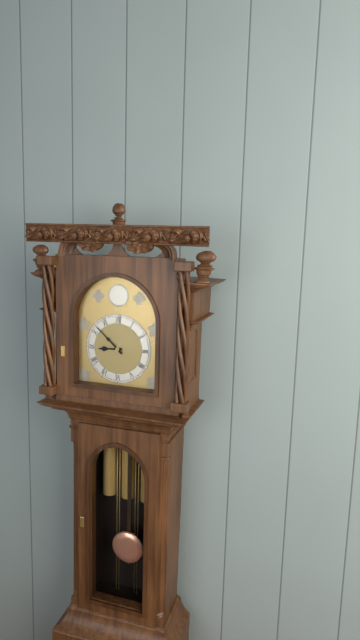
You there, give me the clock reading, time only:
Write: 8:52
